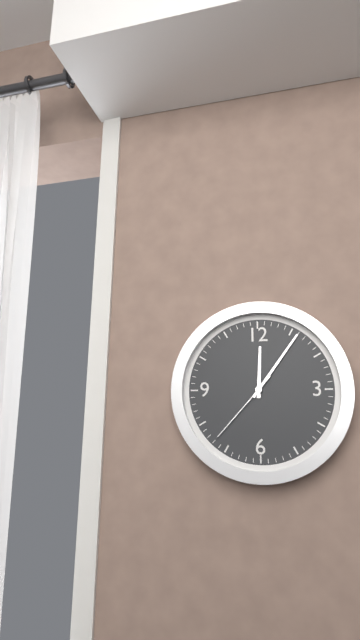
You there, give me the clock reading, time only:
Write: 12:06:37
